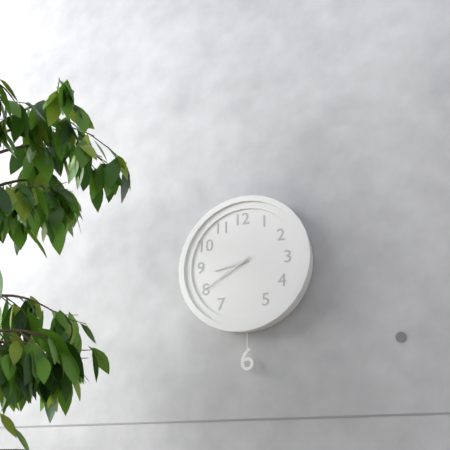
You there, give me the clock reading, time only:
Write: 8:40
